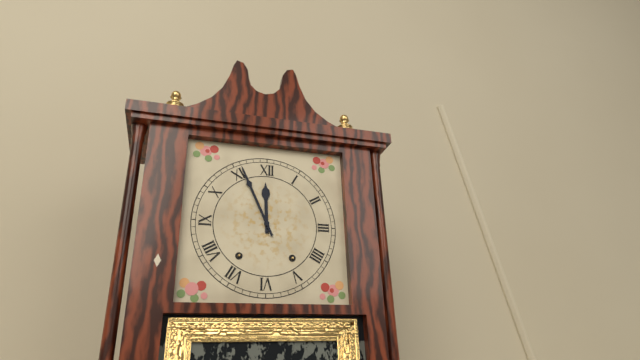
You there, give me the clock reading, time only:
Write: 11:56
